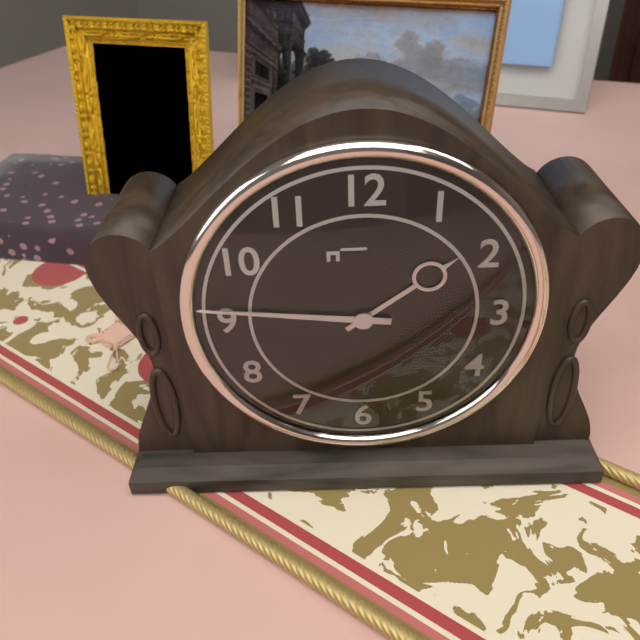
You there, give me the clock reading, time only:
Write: 1:46
